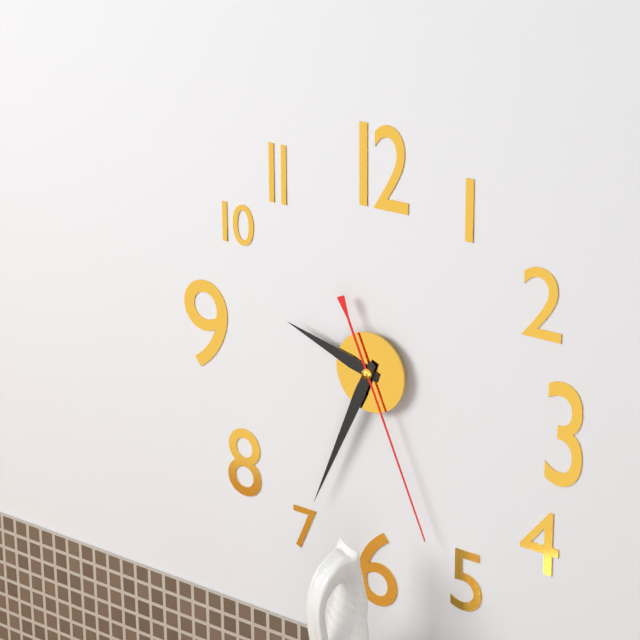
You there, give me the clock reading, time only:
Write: 9:34:26
